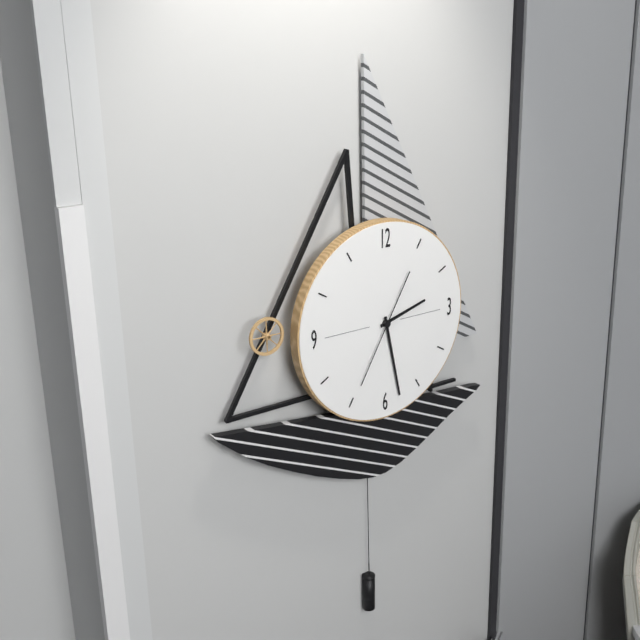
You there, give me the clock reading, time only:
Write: 2:28:35
